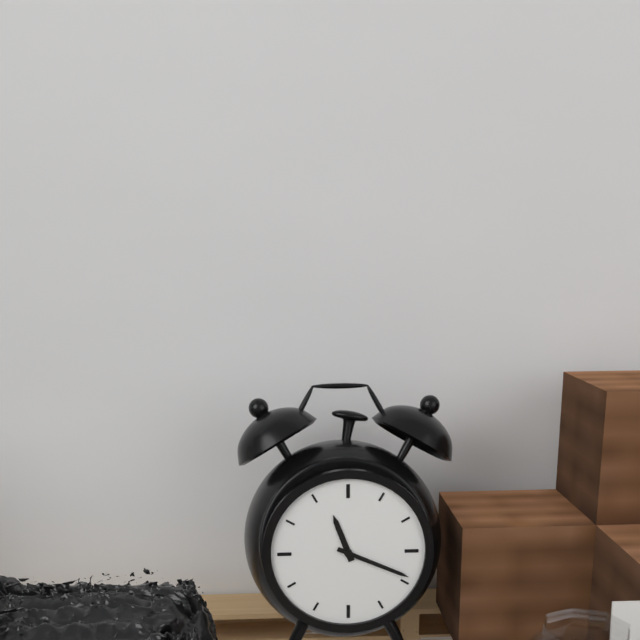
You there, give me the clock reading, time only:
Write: 11:19
